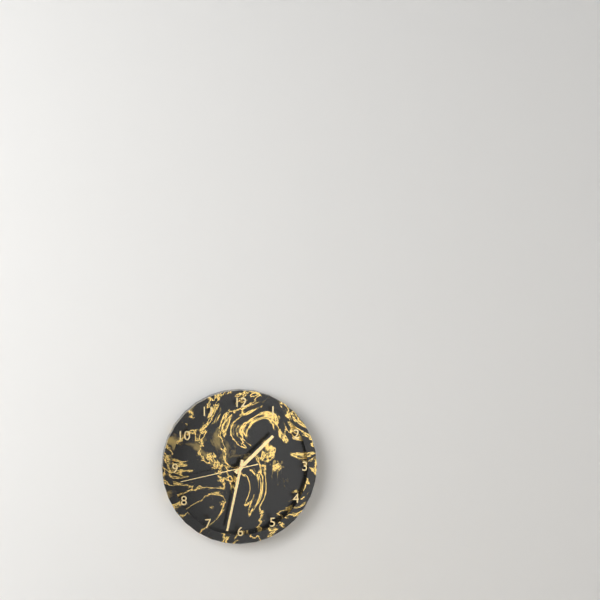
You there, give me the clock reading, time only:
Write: 1:32:43
